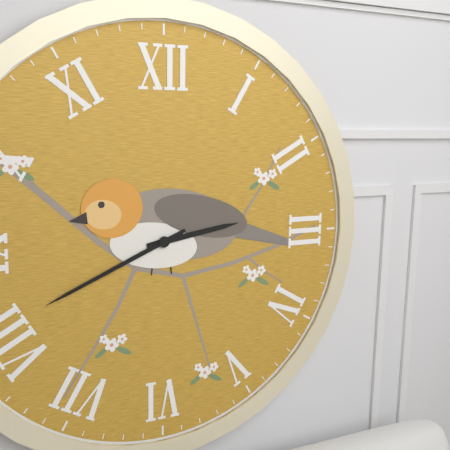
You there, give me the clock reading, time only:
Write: 2:41
